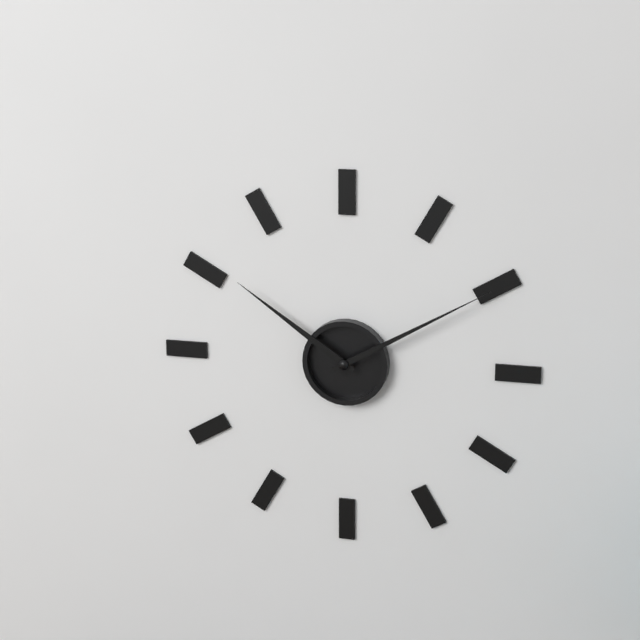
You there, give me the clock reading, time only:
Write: 10:10
